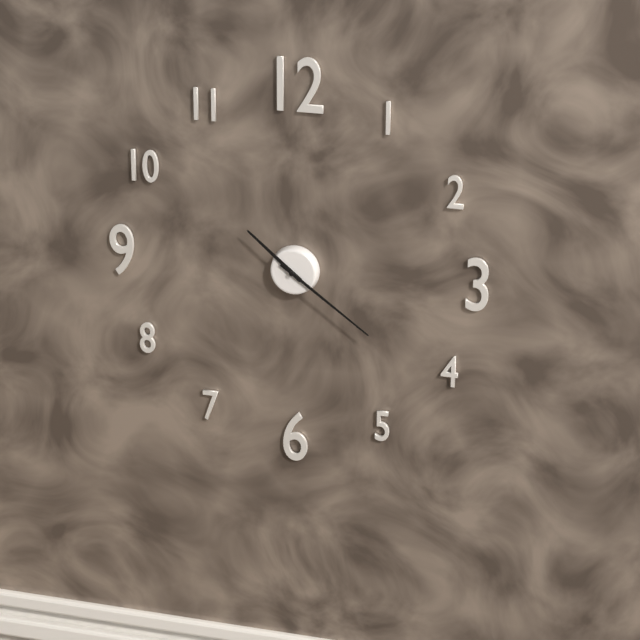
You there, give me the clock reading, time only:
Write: 10:21
